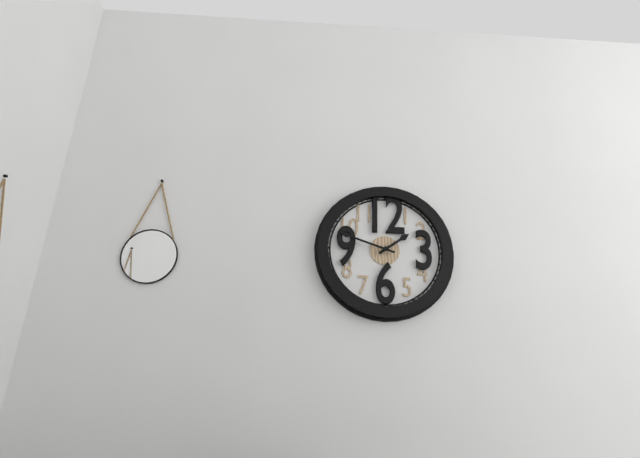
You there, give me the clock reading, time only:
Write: 1:48
